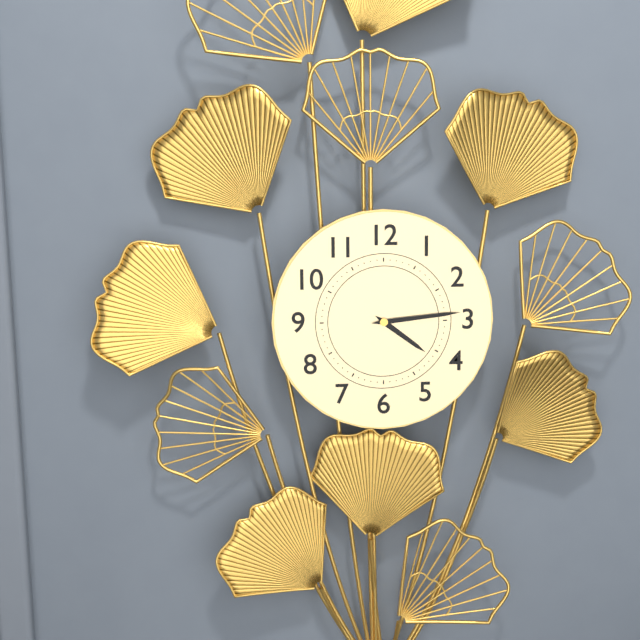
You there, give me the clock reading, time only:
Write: 4:14
